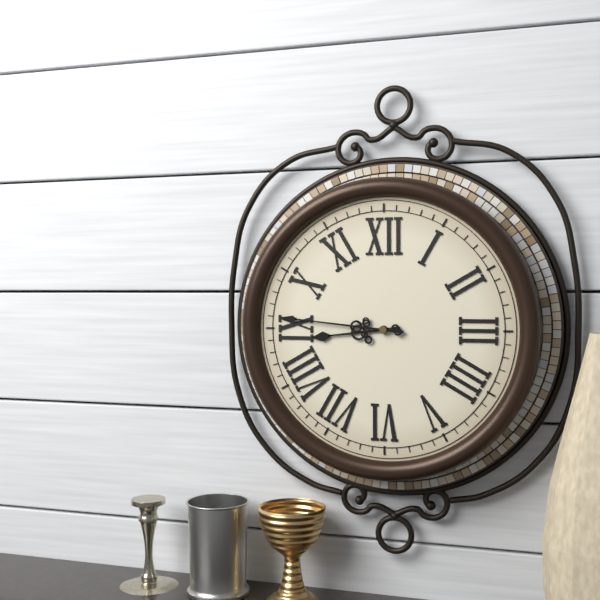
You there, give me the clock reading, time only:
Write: 8:46
